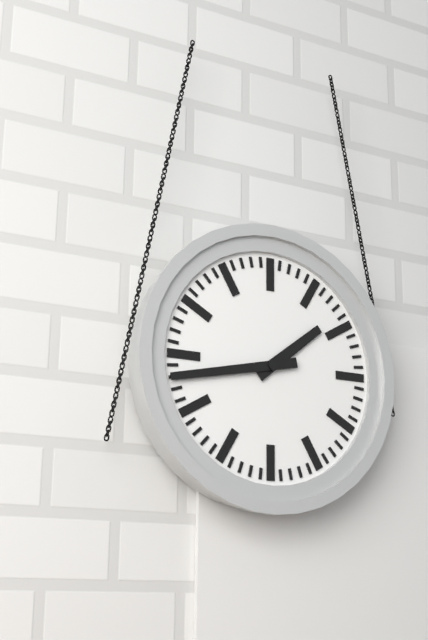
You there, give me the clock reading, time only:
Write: 1:43
